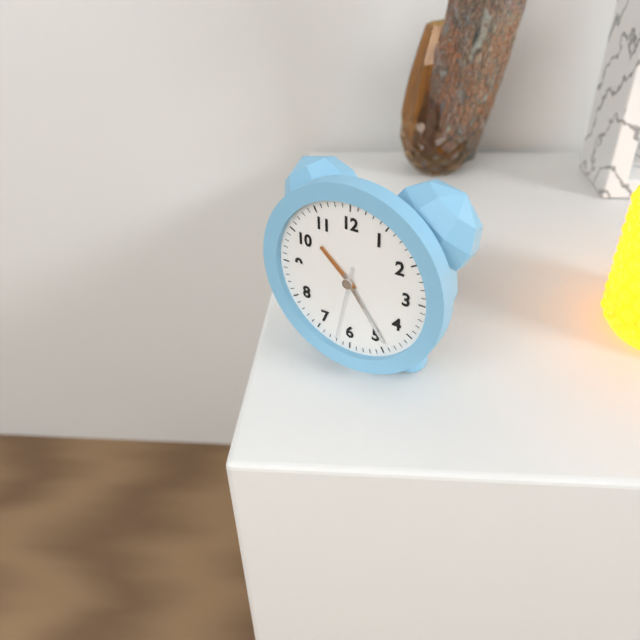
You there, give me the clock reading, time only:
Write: 10:24:32
